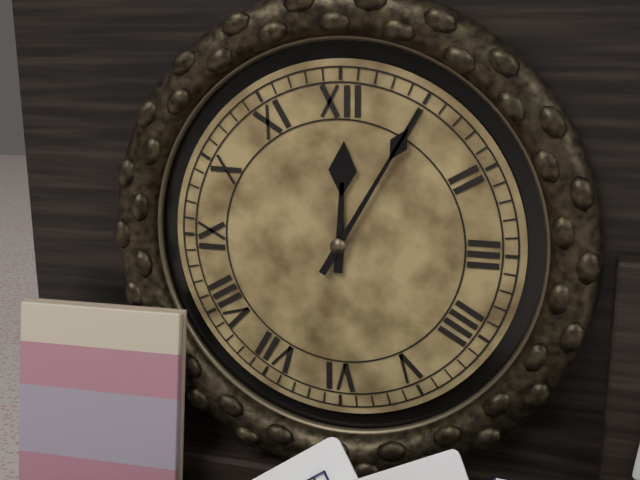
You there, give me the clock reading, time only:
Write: 12:05
